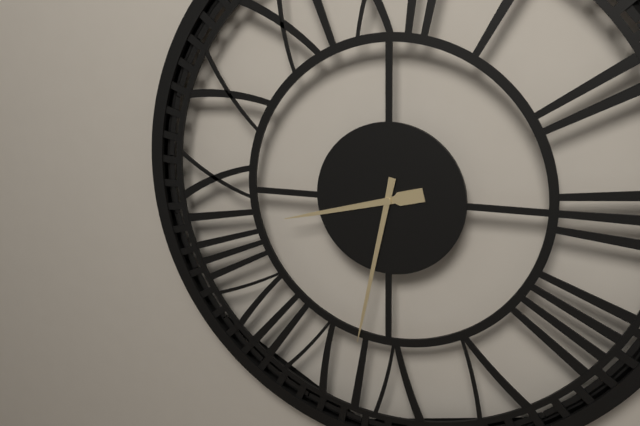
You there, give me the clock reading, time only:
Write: 8:32
